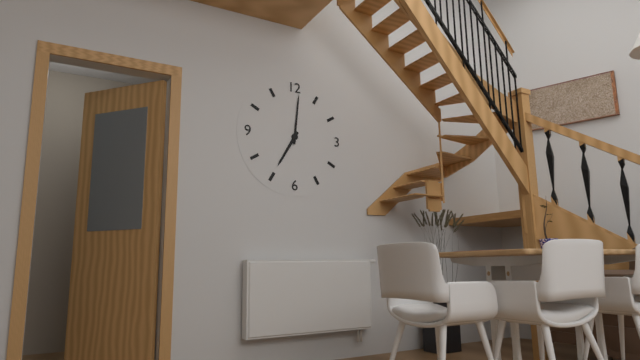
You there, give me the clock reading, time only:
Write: 7:01
